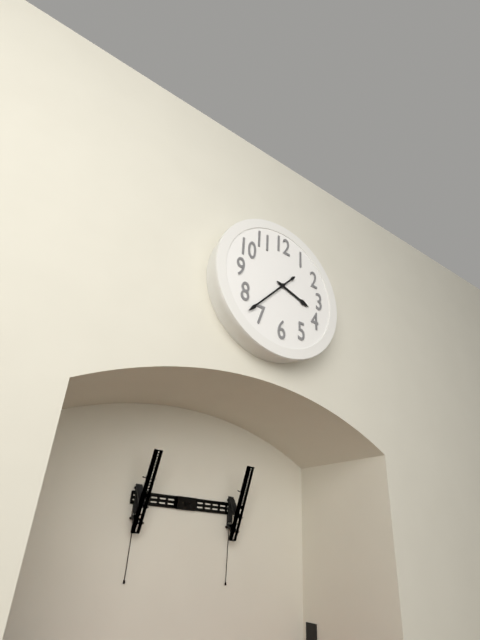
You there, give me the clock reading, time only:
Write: 3:37
